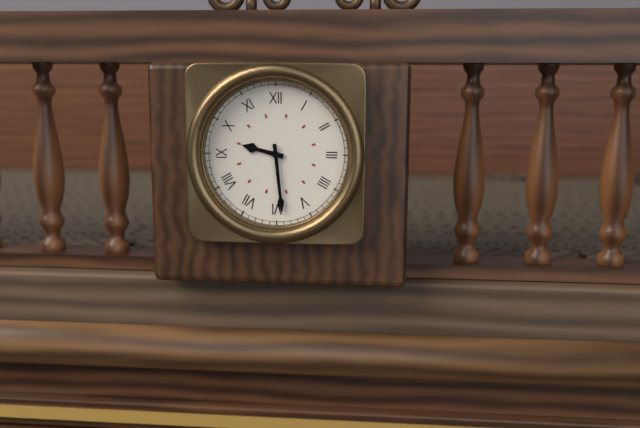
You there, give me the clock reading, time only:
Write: 9:29
